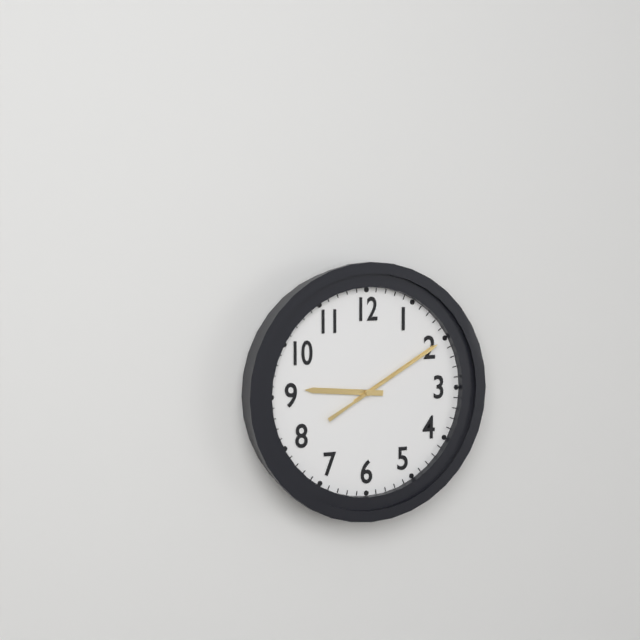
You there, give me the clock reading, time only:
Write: 9:10:10
